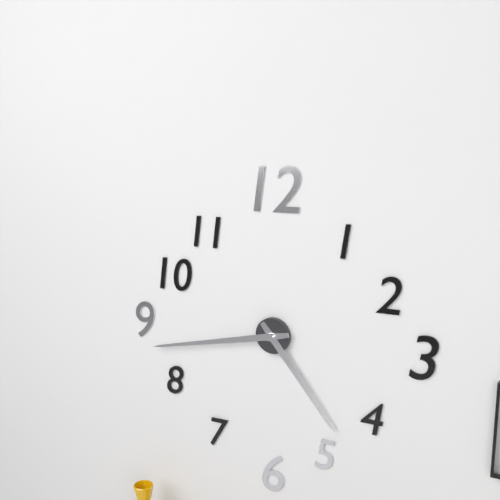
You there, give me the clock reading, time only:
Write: 4:43
